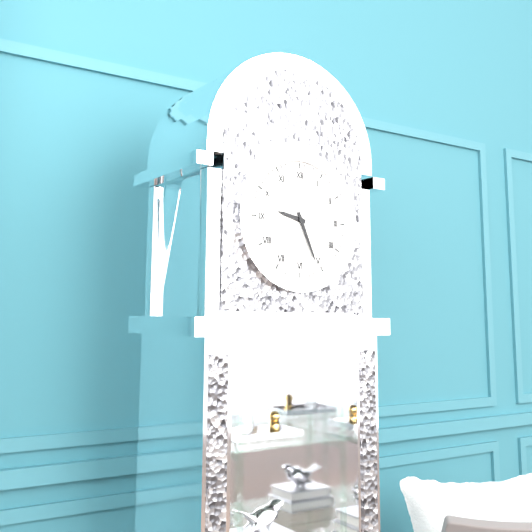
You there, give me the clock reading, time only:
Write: 9:26
